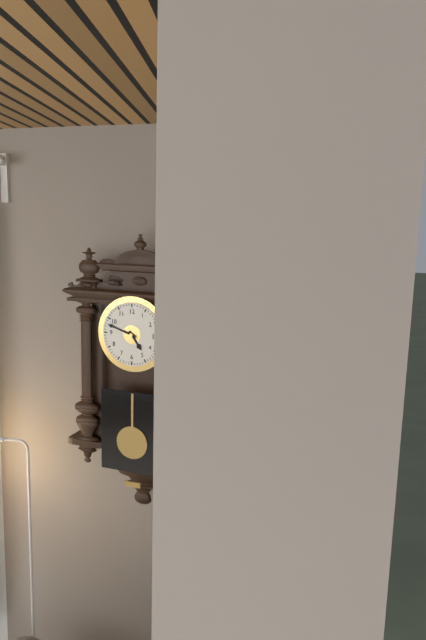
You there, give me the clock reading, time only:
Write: 4:48
